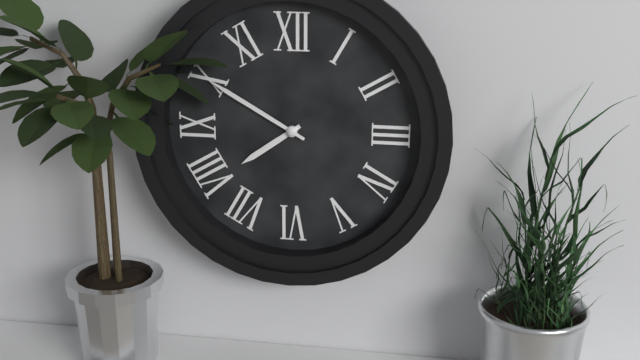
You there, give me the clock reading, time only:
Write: 7:50
